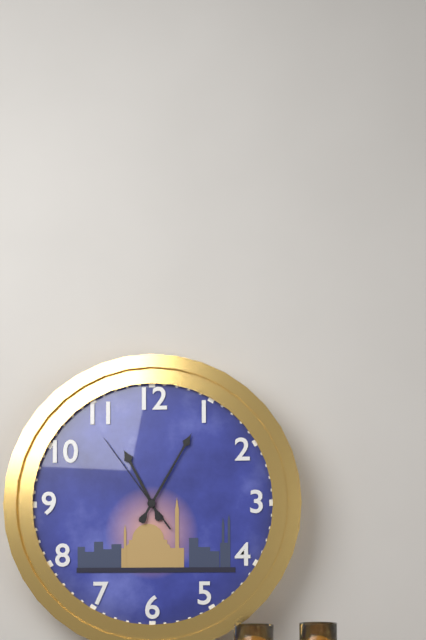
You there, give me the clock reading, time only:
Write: 11:05:54
